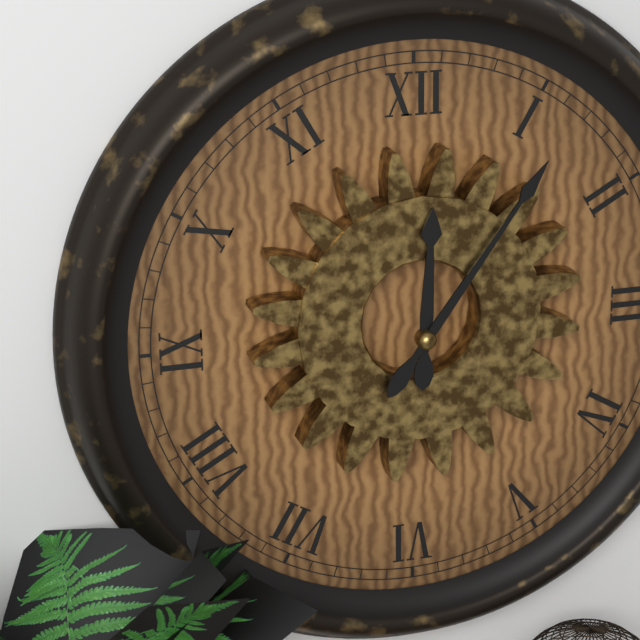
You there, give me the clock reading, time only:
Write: 12:06
